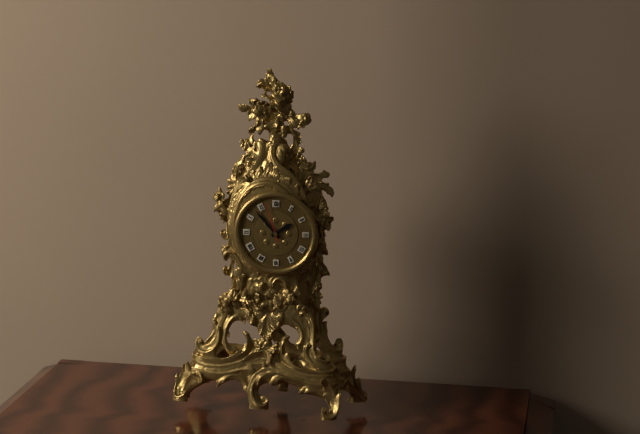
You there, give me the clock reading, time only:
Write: 1:53
